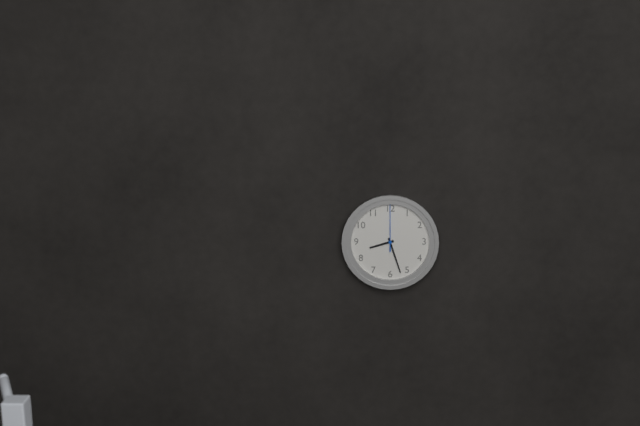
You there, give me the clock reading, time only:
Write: 8:27
